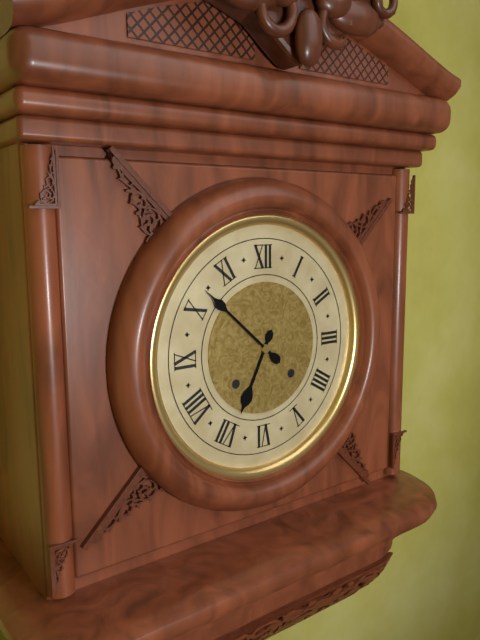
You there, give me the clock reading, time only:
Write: 6:52
